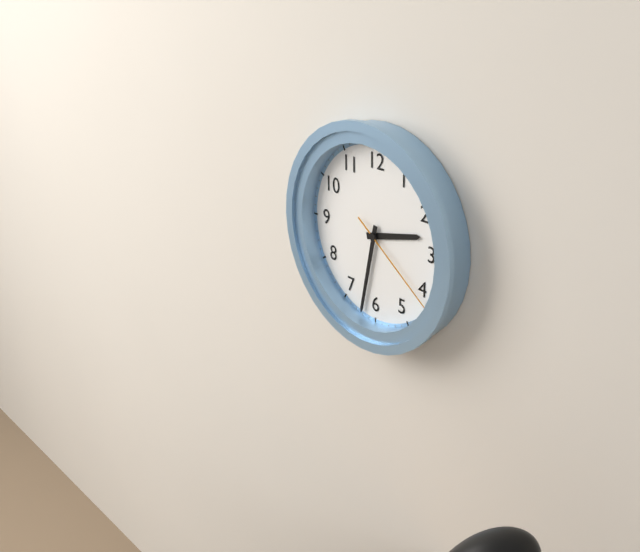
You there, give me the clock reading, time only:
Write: 2:32:21
